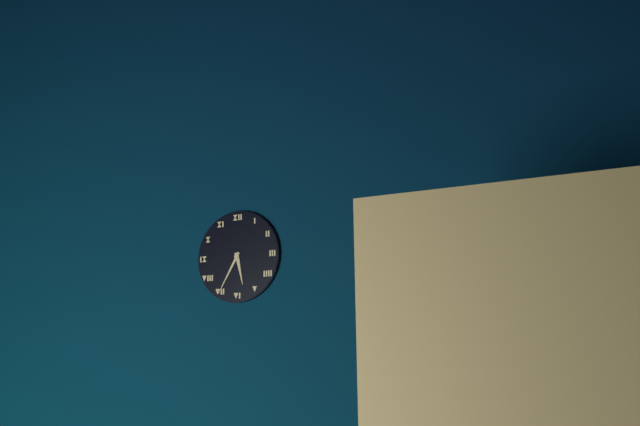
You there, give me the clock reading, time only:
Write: 5:35
